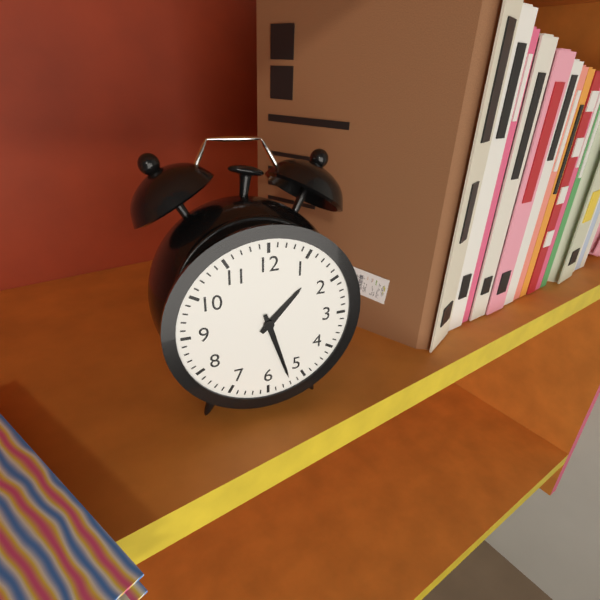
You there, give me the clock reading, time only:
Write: 1:27
